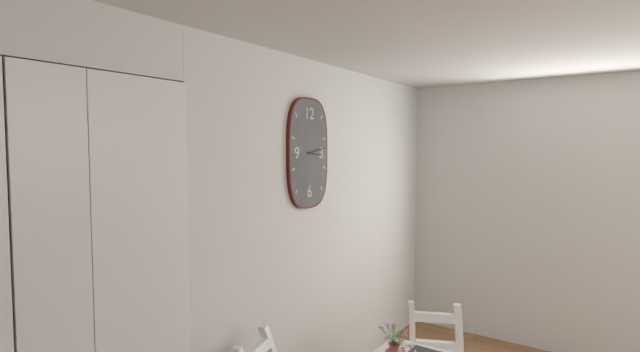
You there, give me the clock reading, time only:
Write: 3:13
